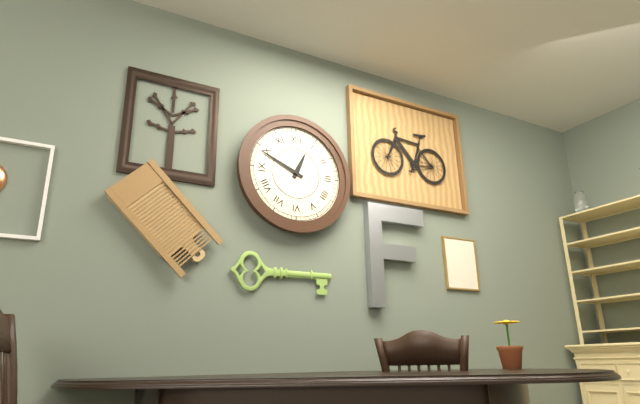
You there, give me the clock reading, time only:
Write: 12:49
